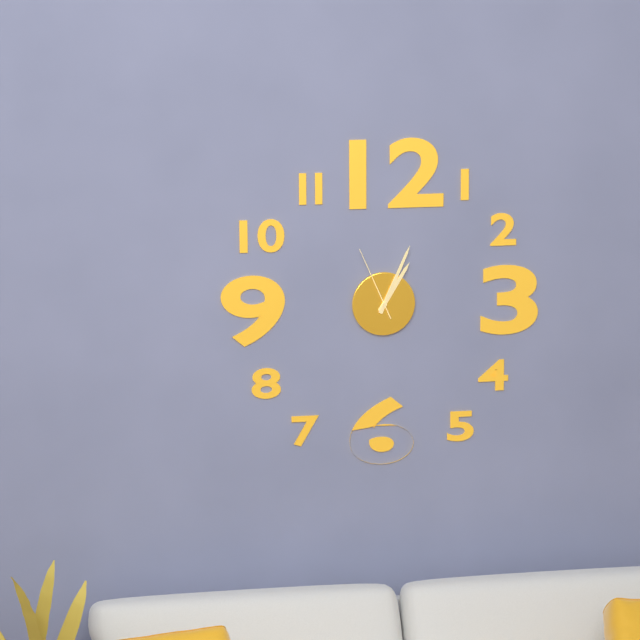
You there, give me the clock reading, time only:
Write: 1:04:56
